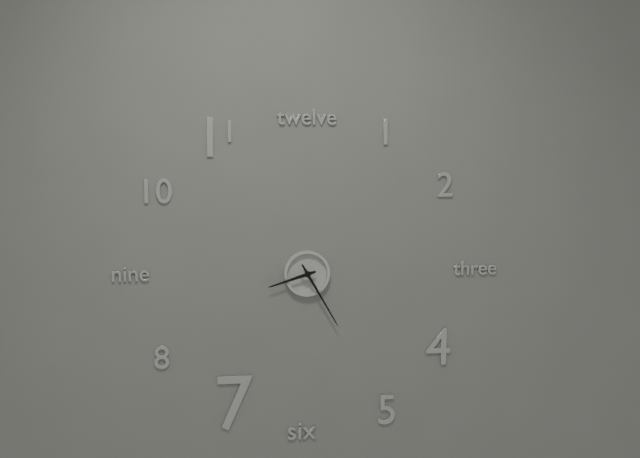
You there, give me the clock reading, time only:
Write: 8:25
